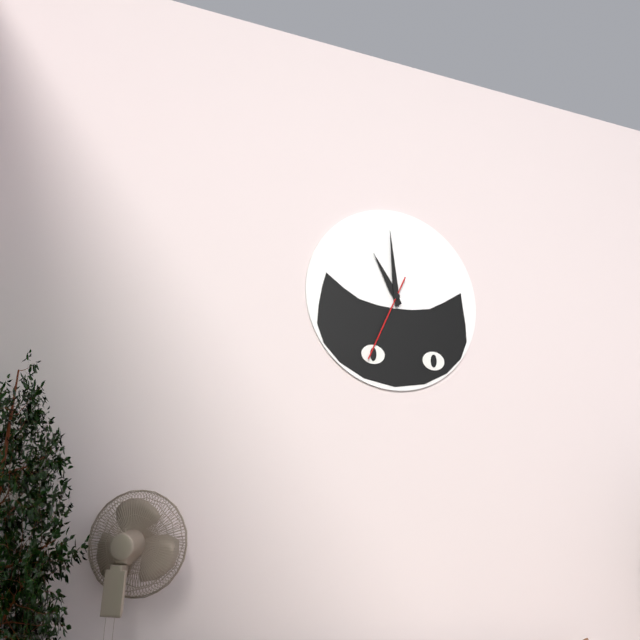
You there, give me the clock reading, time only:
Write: 10:59:34
